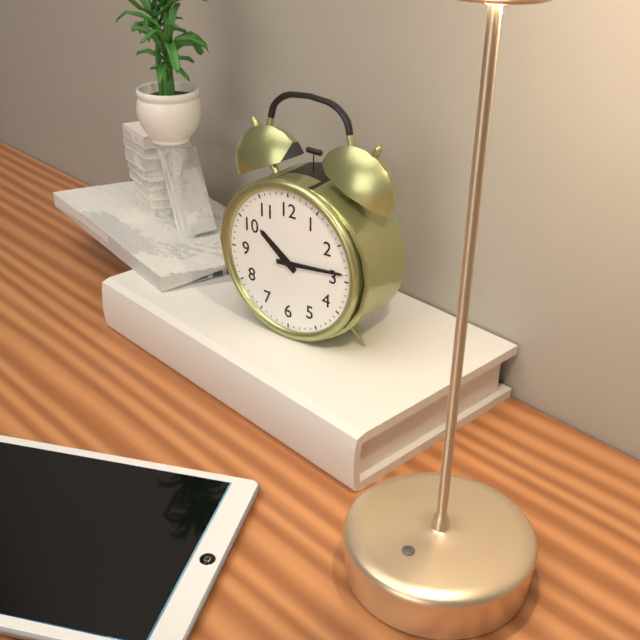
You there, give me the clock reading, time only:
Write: 10:14
